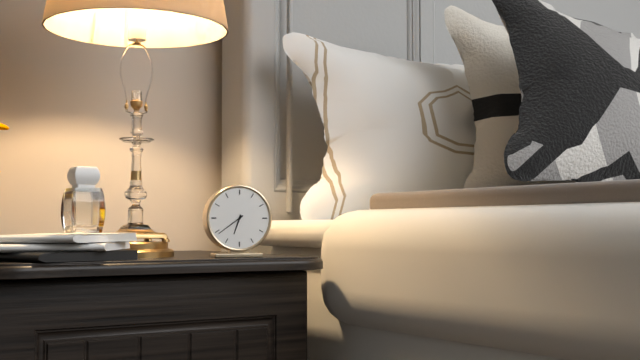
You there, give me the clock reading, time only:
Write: 6:39
